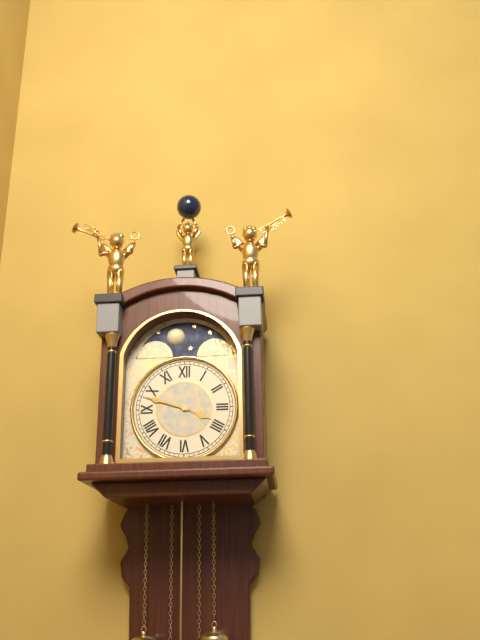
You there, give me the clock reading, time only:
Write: 3:48
